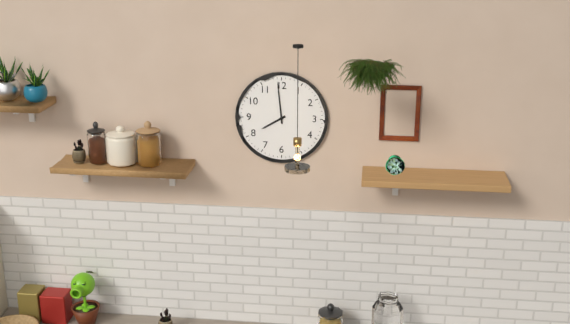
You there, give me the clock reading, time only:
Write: 7:59
